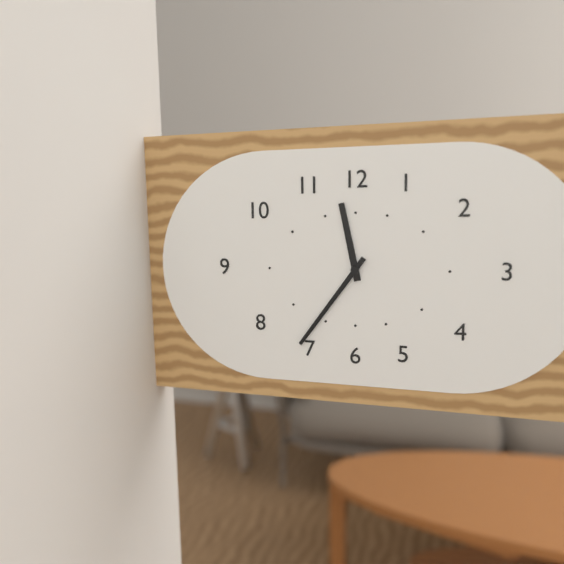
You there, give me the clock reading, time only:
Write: 11:36
